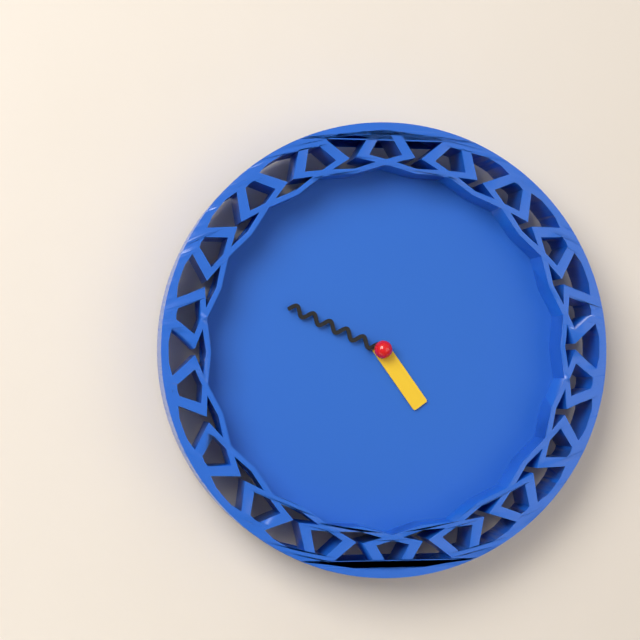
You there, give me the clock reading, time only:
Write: 4:49
